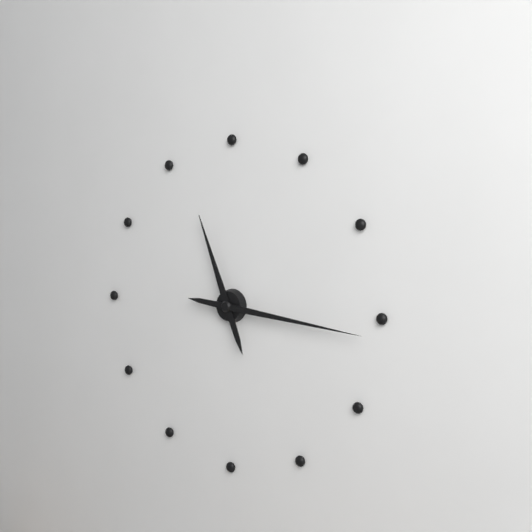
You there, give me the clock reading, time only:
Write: 11:16
